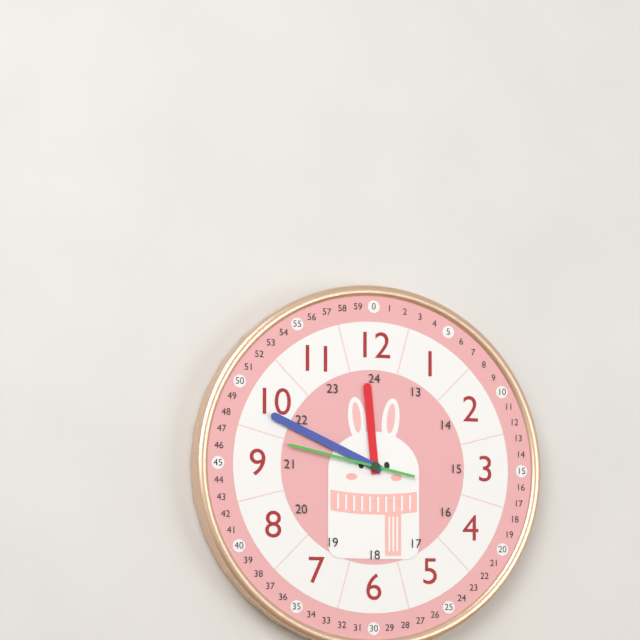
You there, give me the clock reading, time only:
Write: 11:49:47
